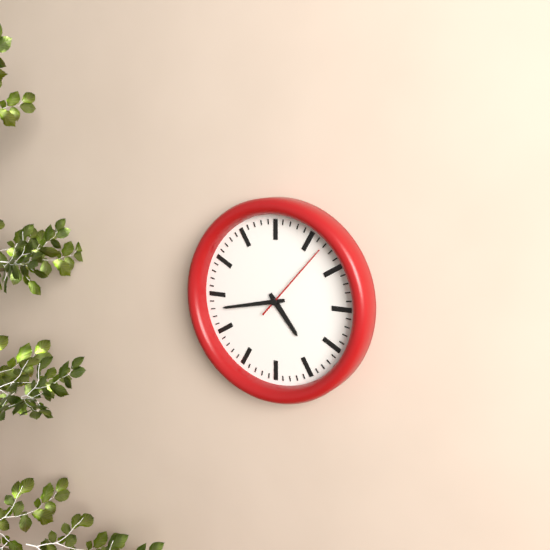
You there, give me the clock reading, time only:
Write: 4:43:07
